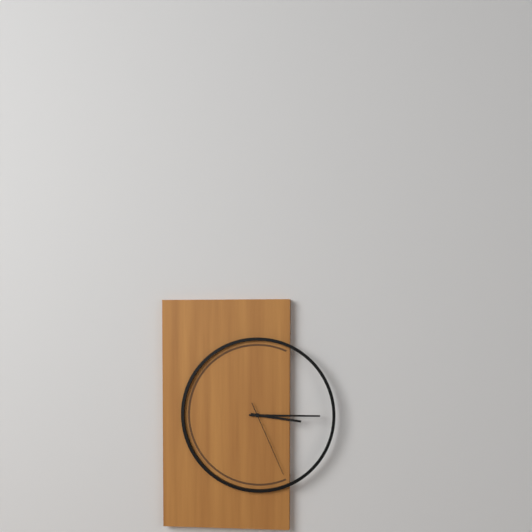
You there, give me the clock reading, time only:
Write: 3:15:26
